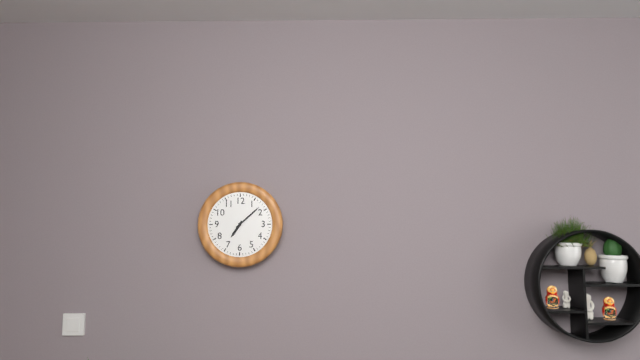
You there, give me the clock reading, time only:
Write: 7:08
